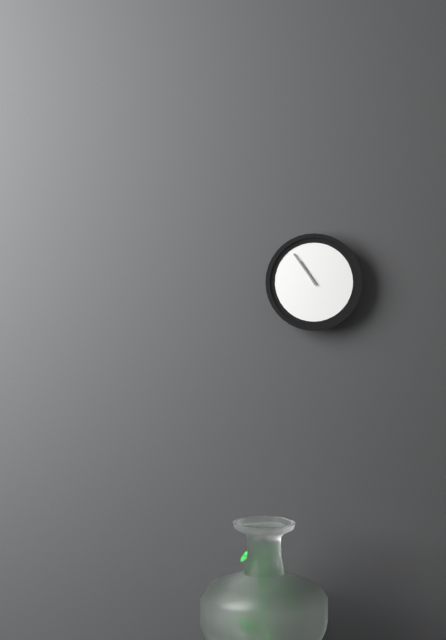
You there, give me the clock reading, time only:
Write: 10:54
